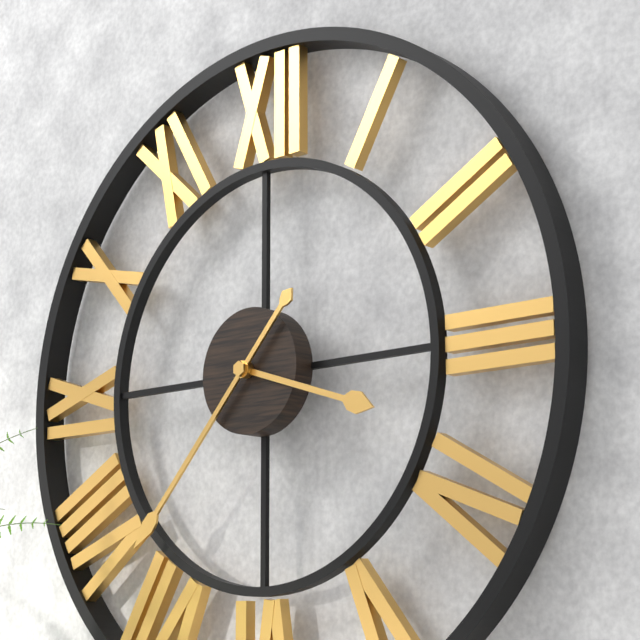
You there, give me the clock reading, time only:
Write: 3:37
